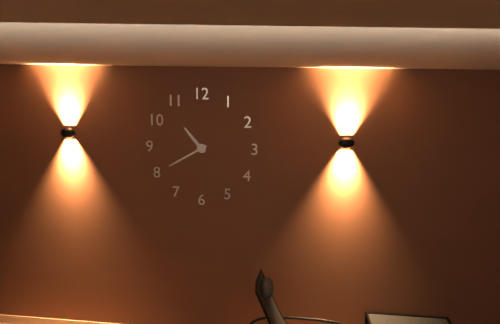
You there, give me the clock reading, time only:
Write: 10:40
